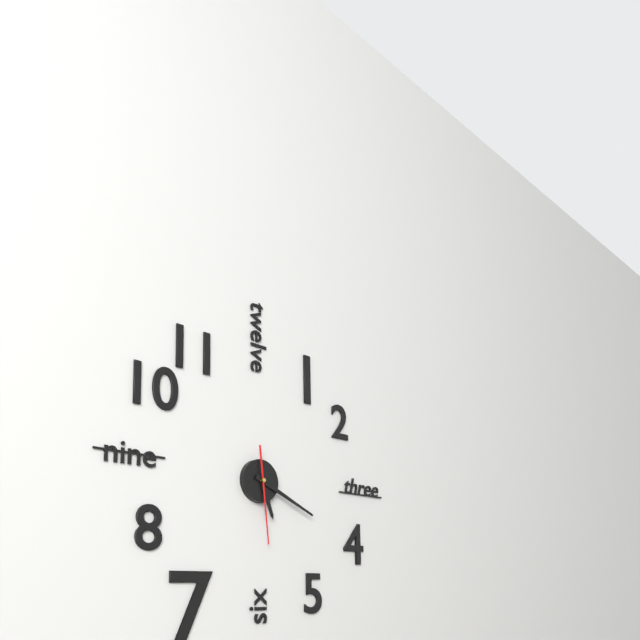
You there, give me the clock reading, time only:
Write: 5:19:29
